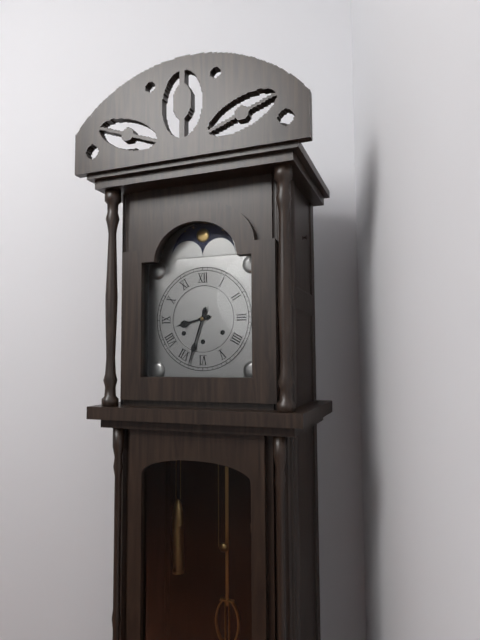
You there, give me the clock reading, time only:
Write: 8:33
